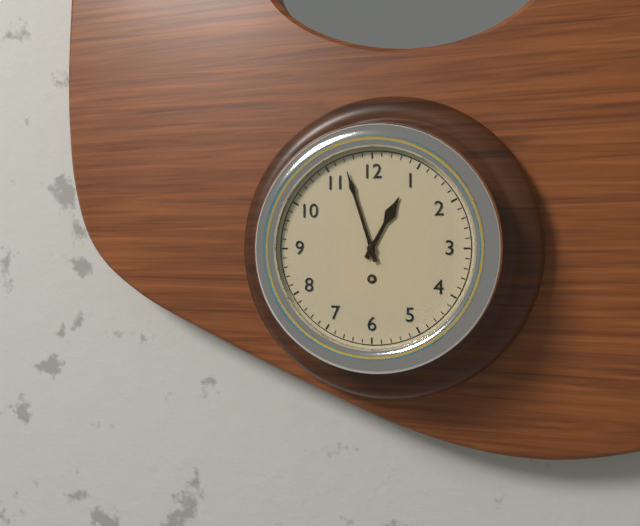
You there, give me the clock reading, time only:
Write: 12:57
